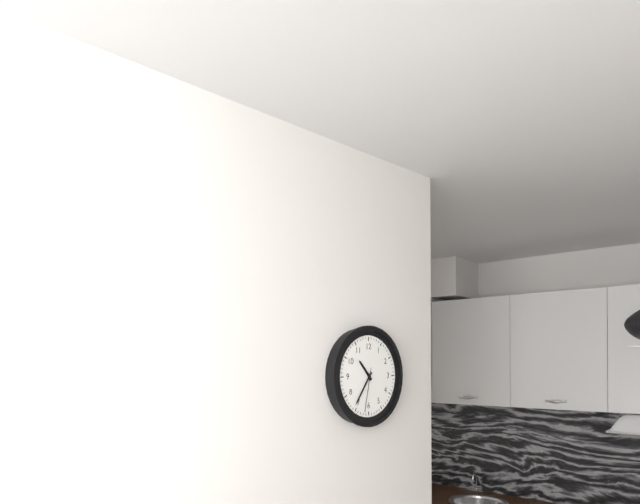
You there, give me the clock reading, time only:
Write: 10:36
